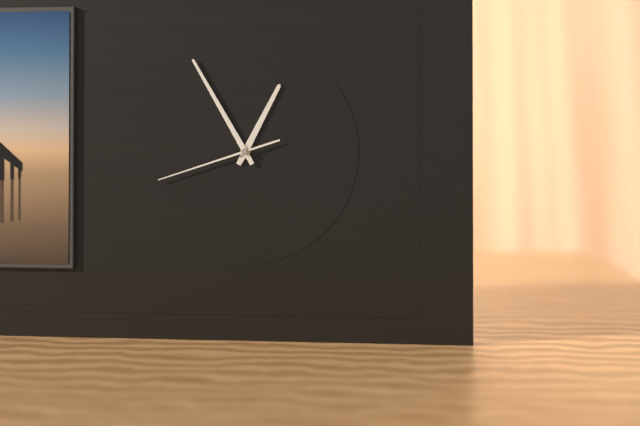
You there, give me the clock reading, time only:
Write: 12:55:42
